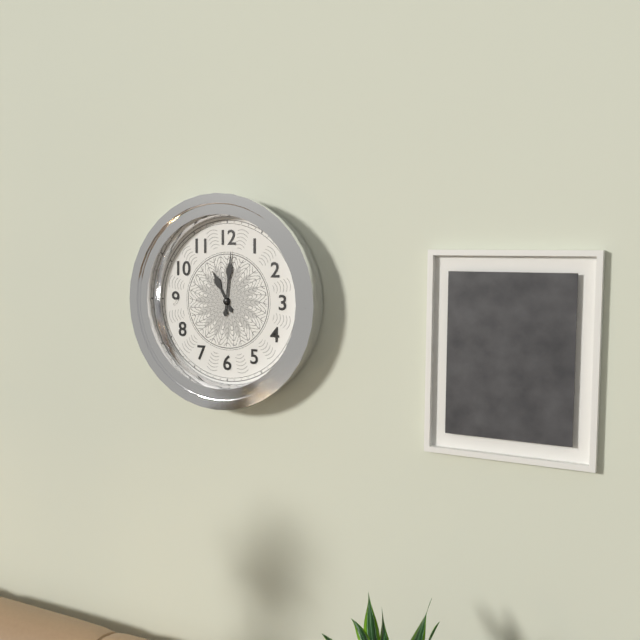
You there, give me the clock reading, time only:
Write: 11:01
